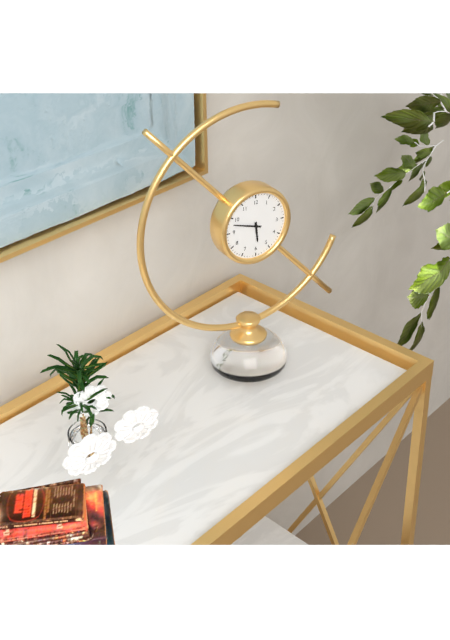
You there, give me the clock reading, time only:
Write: 5:48
